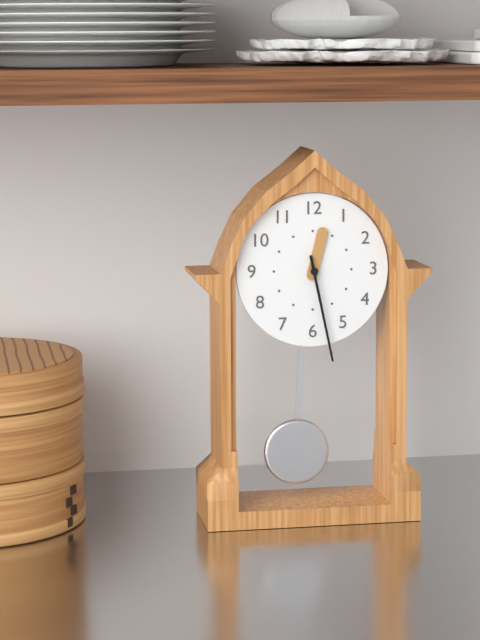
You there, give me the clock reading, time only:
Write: 12:28
